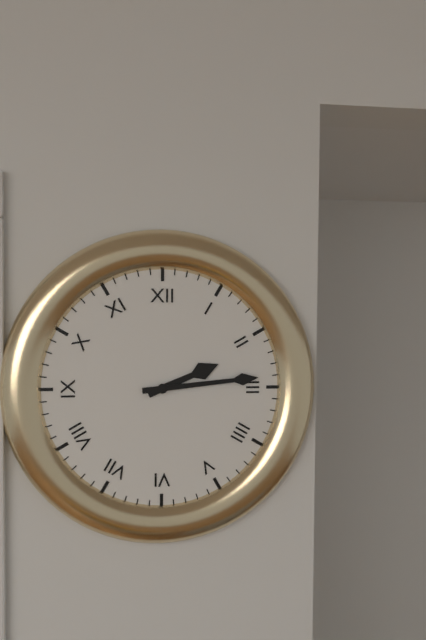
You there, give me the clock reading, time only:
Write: 2:14
